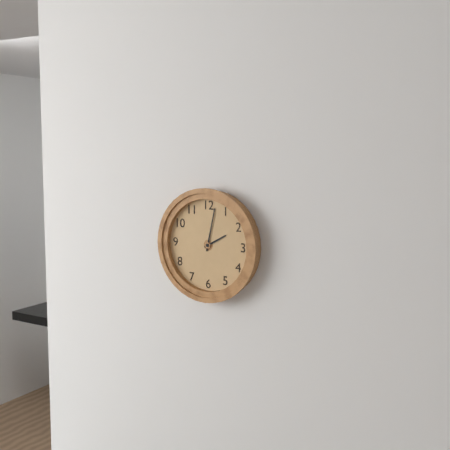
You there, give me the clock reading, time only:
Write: 2:02
